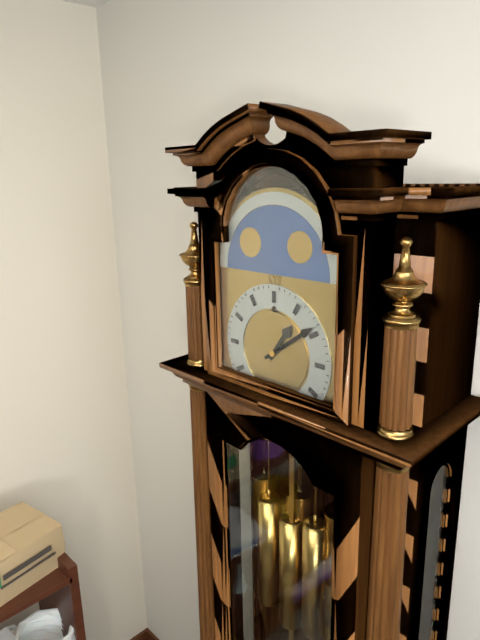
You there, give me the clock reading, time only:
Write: 1:09
